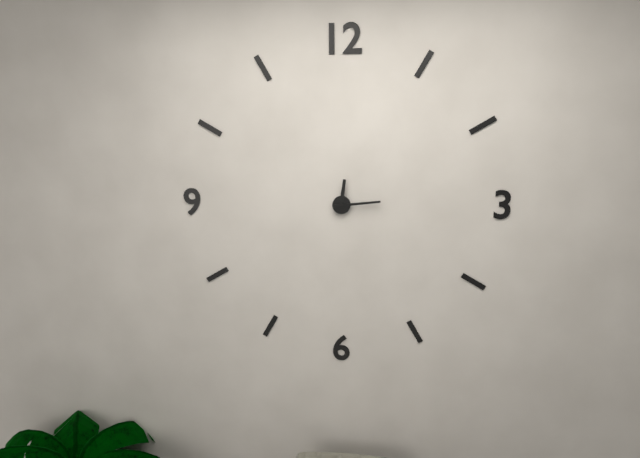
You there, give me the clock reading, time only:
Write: 12:14
